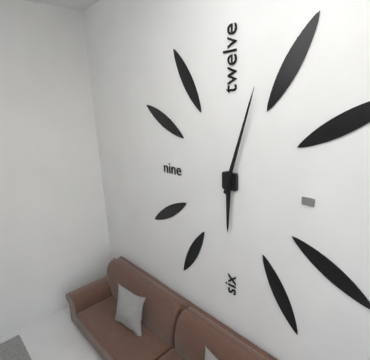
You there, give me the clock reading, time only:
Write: 6:03
